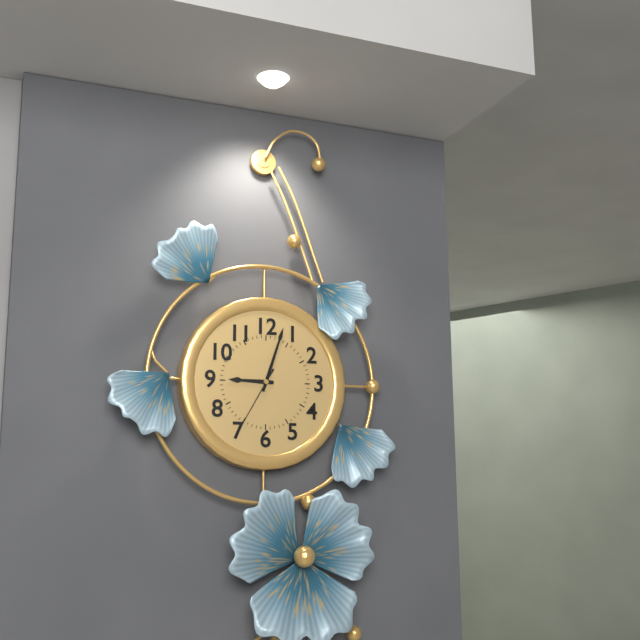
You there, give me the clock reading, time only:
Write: 9:03:35
